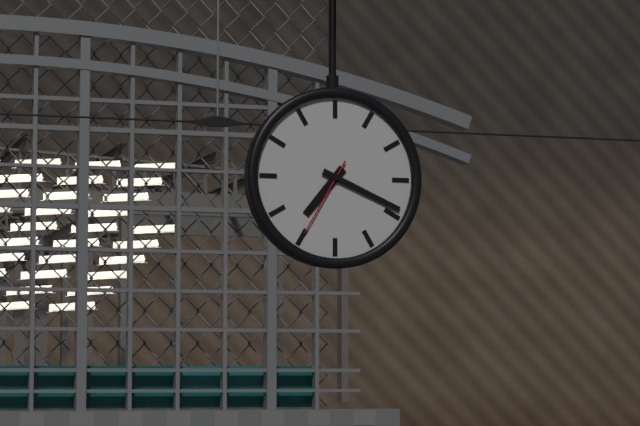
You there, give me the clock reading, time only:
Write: 7:19:35
